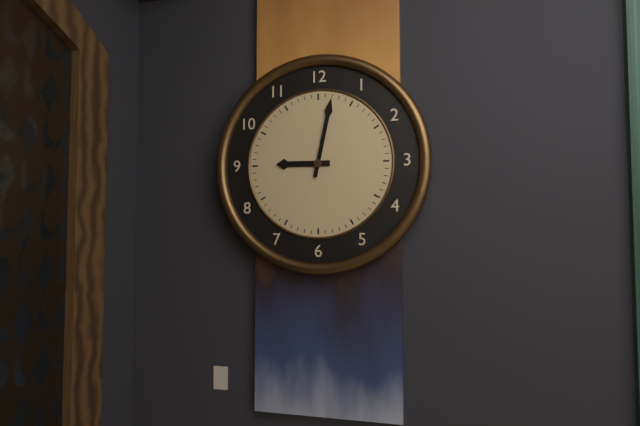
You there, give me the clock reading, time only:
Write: 9:02
